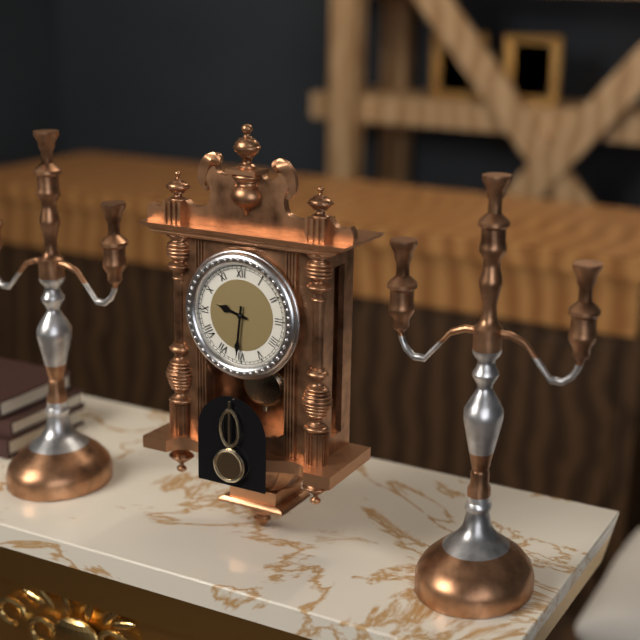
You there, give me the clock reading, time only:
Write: 9:31
